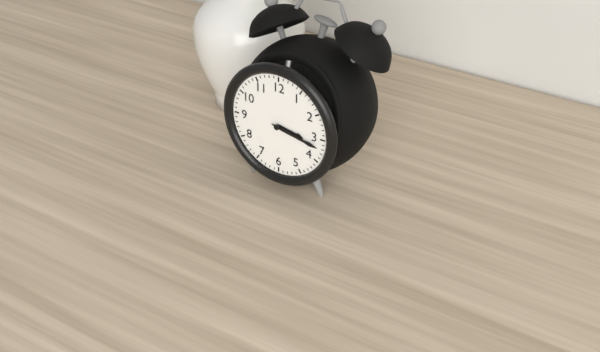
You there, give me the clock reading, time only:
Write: 3:17
